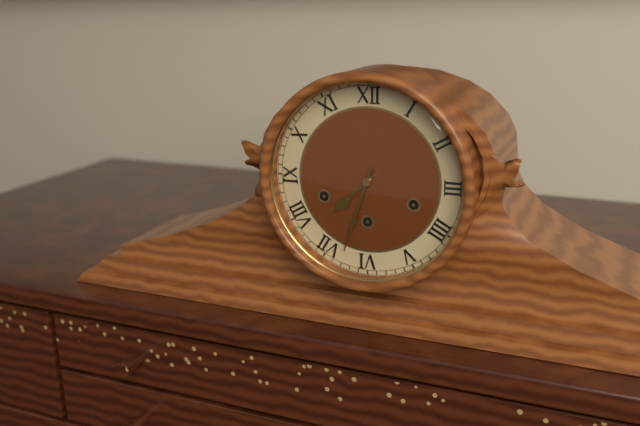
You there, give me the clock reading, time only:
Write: 7:33
